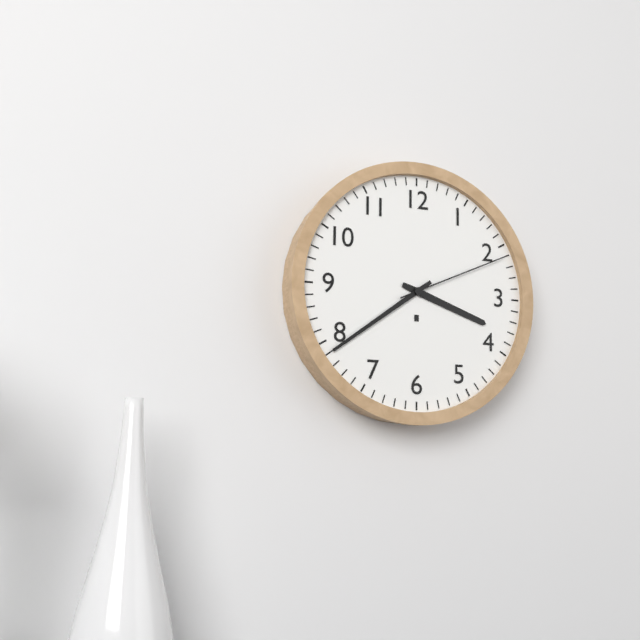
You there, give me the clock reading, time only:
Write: 3:39:11
